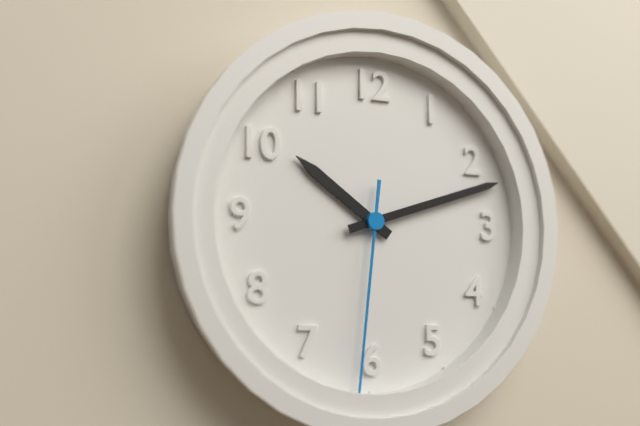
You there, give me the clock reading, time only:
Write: 10:12:31
